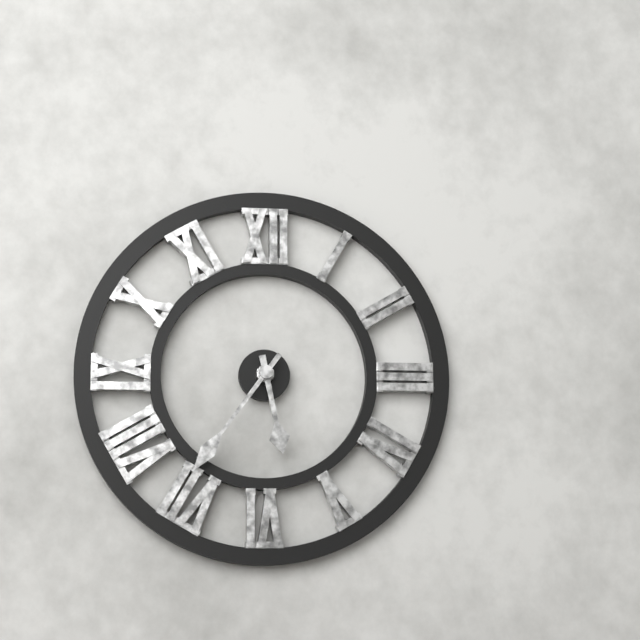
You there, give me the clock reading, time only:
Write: 5:36
